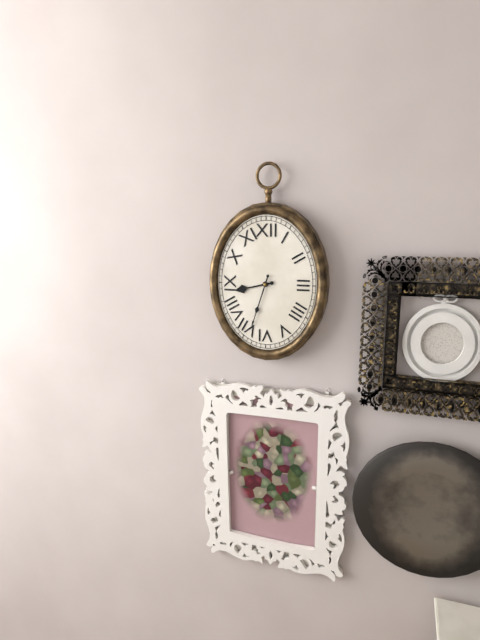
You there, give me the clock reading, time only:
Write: 8:33
